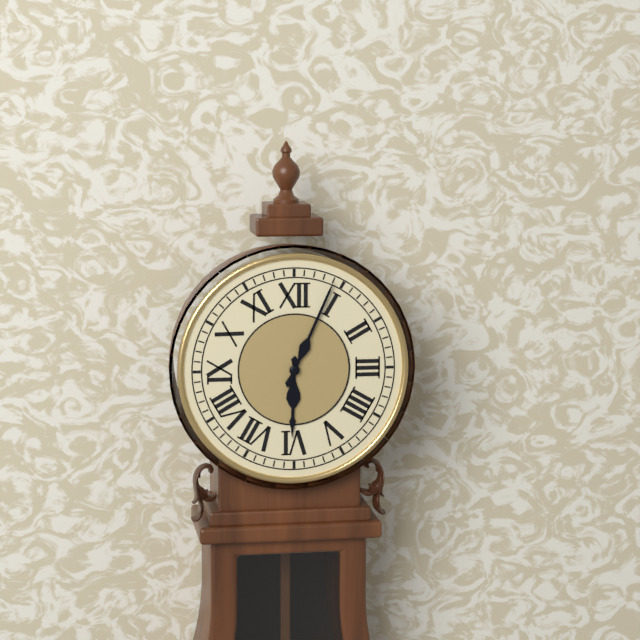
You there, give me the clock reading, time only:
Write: 6:04
